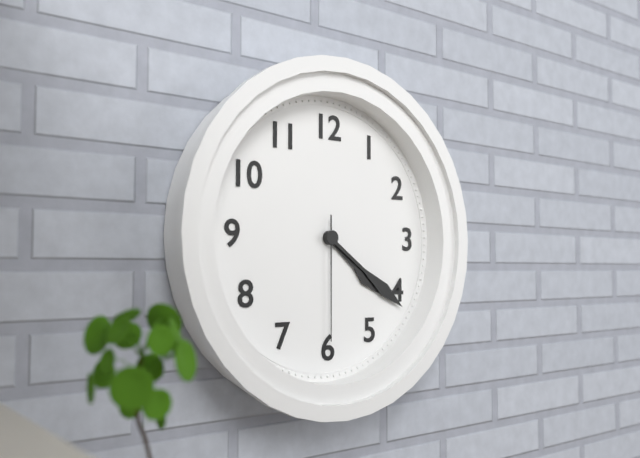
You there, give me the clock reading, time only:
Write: 4:21:30
